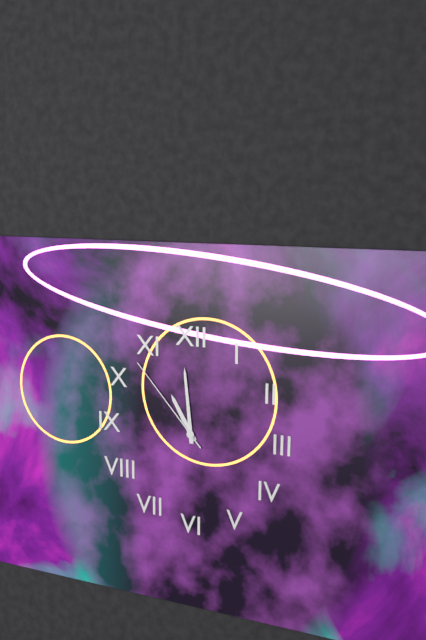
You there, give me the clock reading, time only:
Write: 10:59:53
